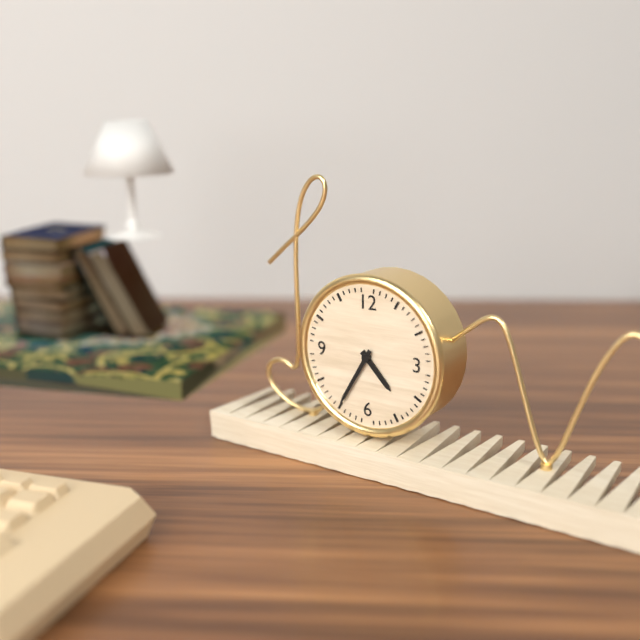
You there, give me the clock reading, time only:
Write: 4:35
